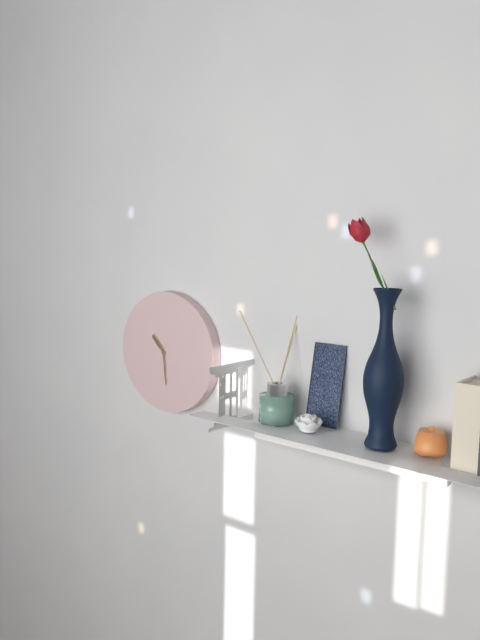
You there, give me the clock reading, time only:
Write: 10:29
